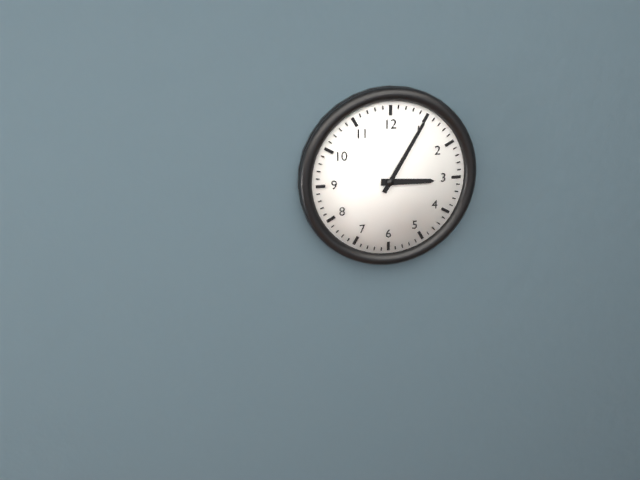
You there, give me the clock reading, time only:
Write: 3:05
